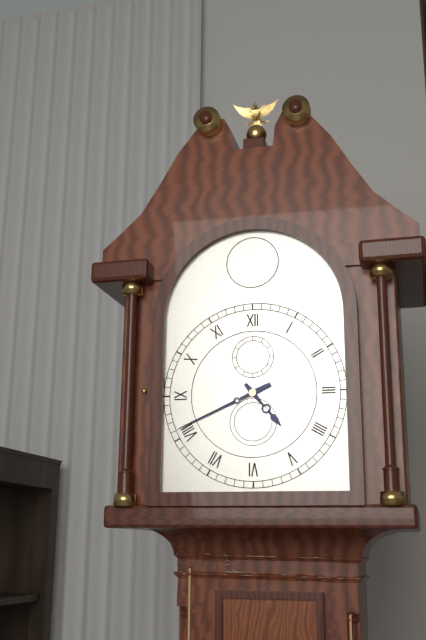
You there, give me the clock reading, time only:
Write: 4:41
